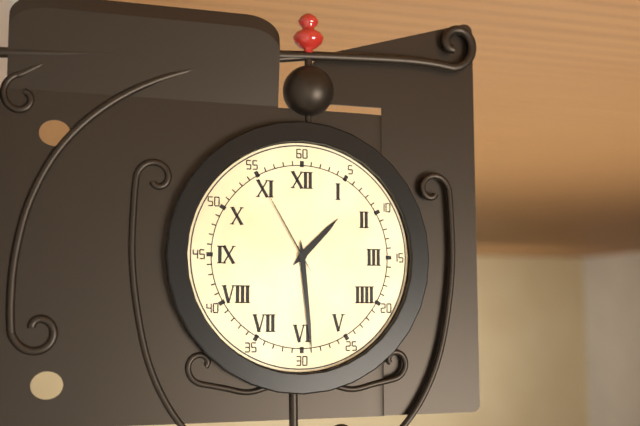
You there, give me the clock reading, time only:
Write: 1:29:55
